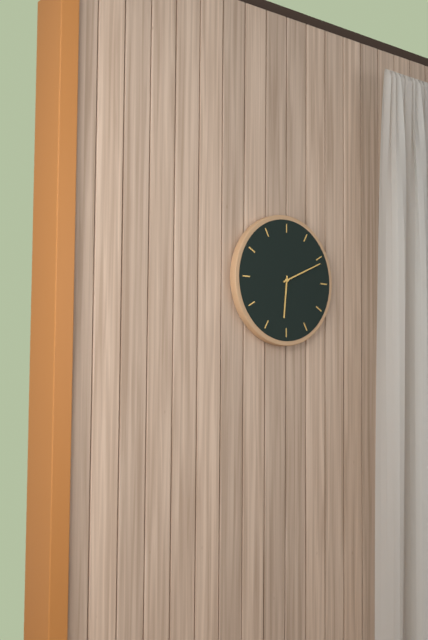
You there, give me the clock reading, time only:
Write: 6:11
